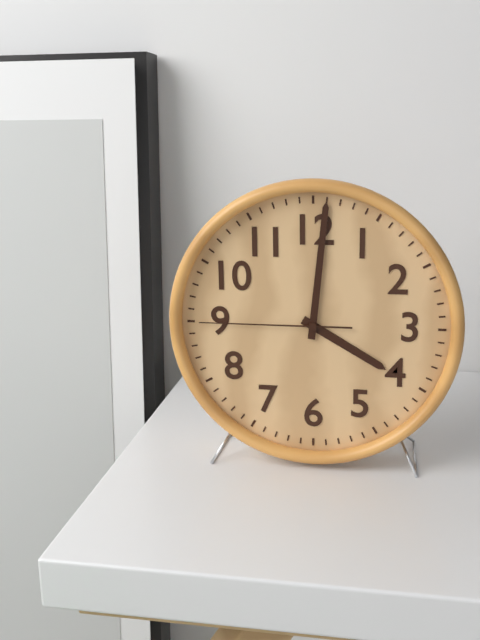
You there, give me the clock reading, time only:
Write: 4:01:45
